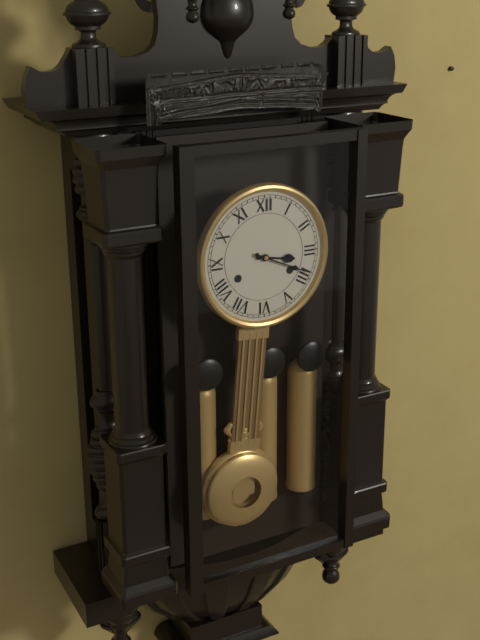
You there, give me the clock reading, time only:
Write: 3:19
